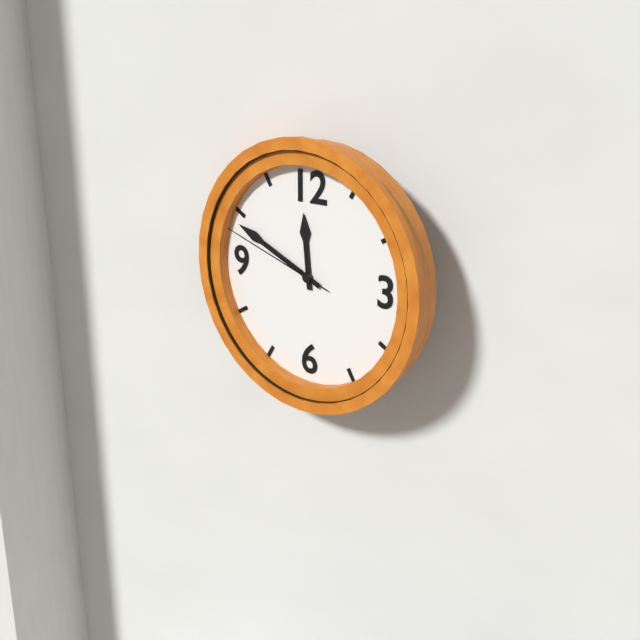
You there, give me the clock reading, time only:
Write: 11:49:48
